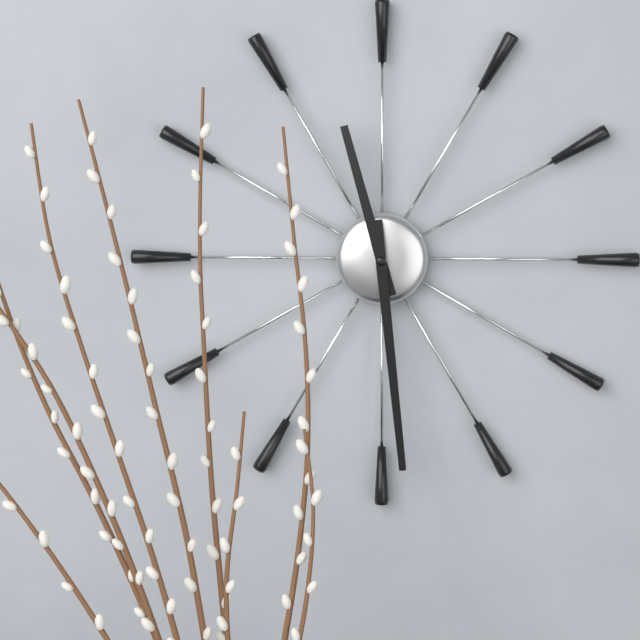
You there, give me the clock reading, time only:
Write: 11:29
